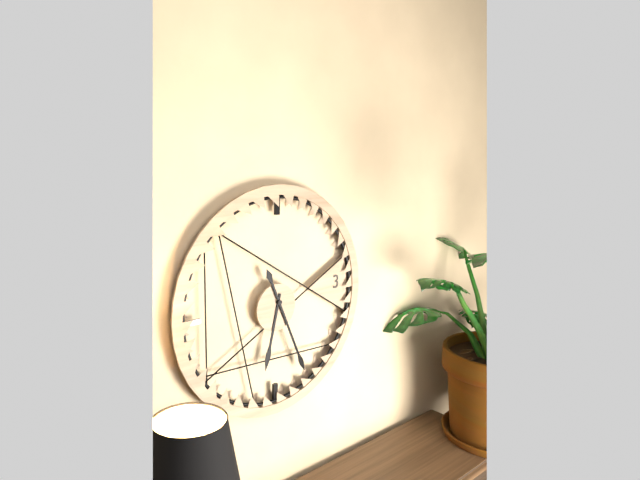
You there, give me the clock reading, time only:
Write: 6:26
